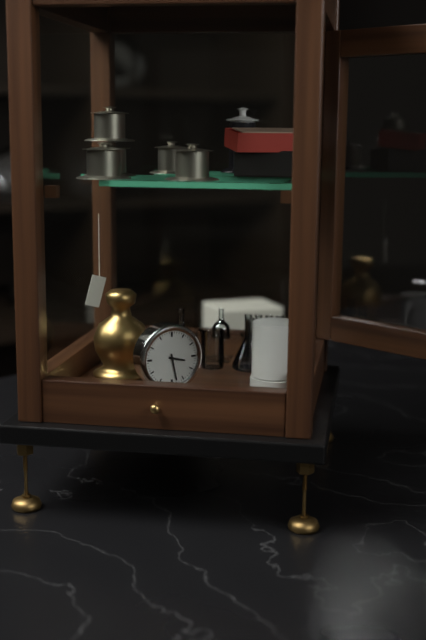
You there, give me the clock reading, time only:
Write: 3:28
